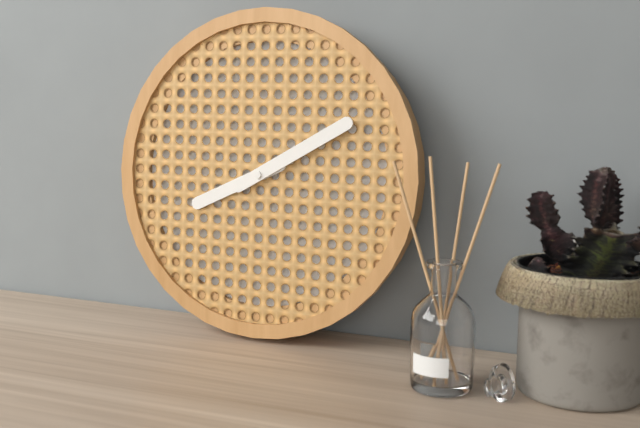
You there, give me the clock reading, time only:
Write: 8:10
